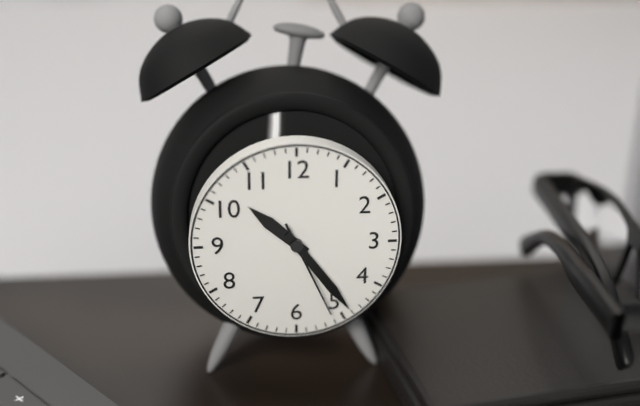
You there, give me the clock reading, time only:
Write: 10:24:26
